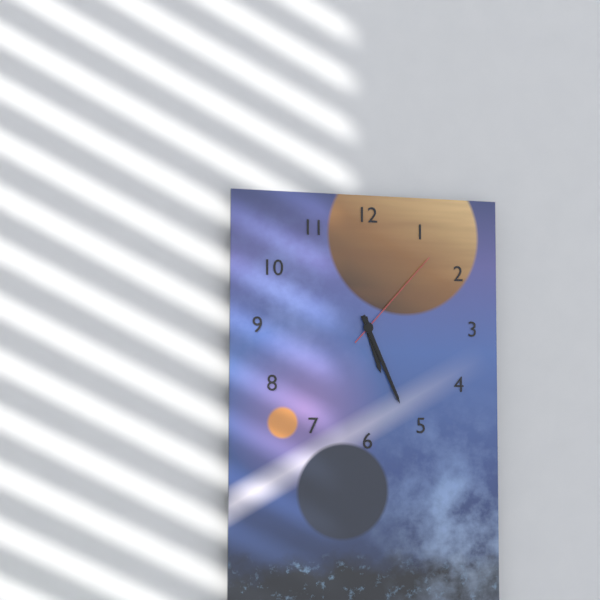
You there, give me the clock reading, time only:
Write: 5:26:07
